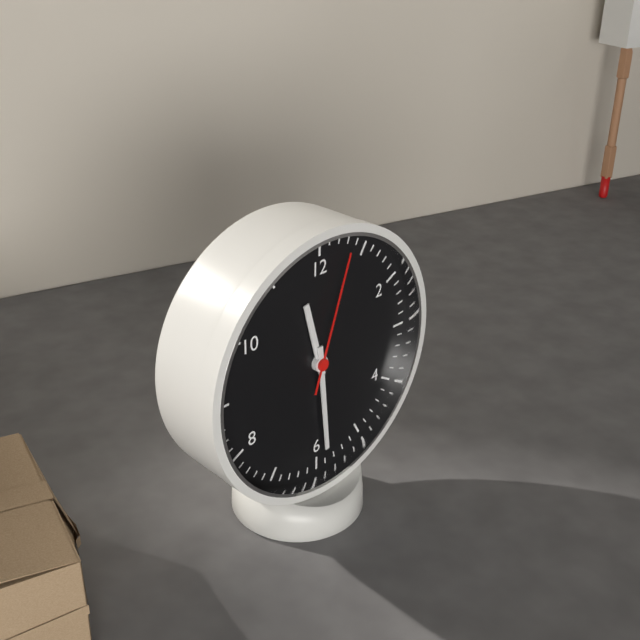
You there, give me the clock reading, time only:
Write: 11:29:03
